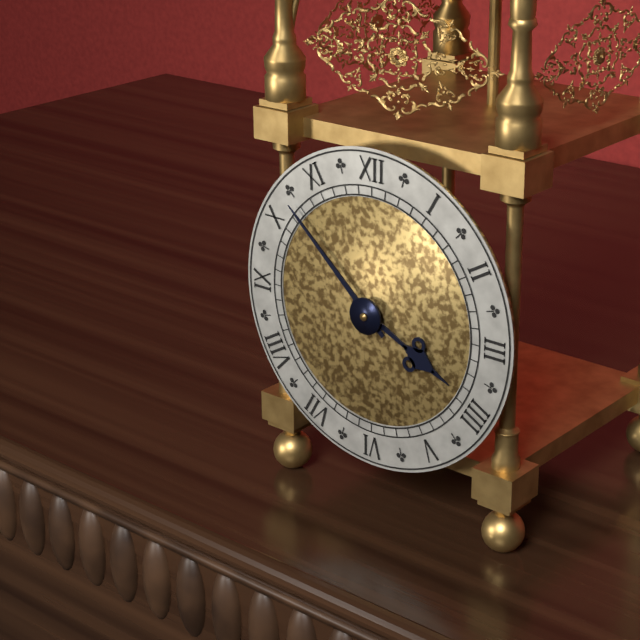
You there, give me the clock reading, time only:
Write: 3:52
